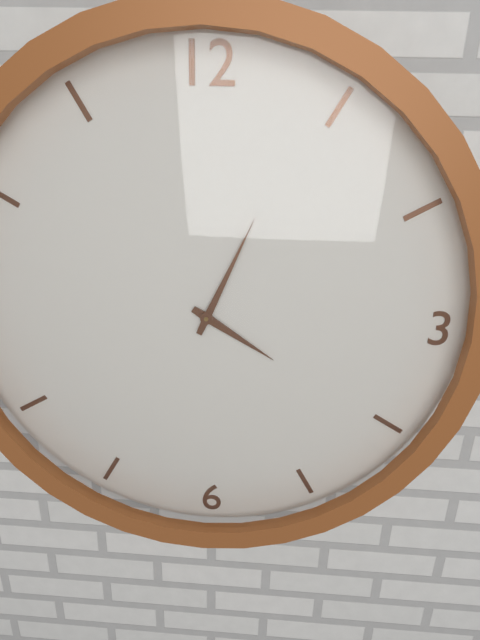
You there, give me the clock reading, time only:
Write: 4:04
